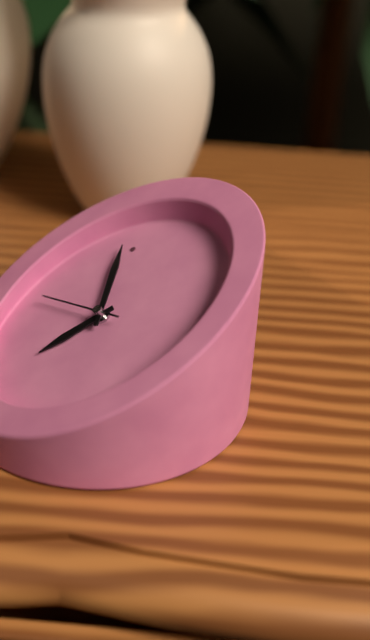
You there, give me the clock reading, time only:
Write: 9:06:55
